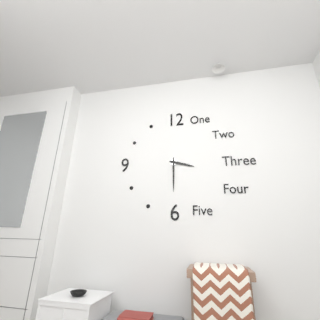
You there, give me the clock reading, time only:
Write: 3:30
